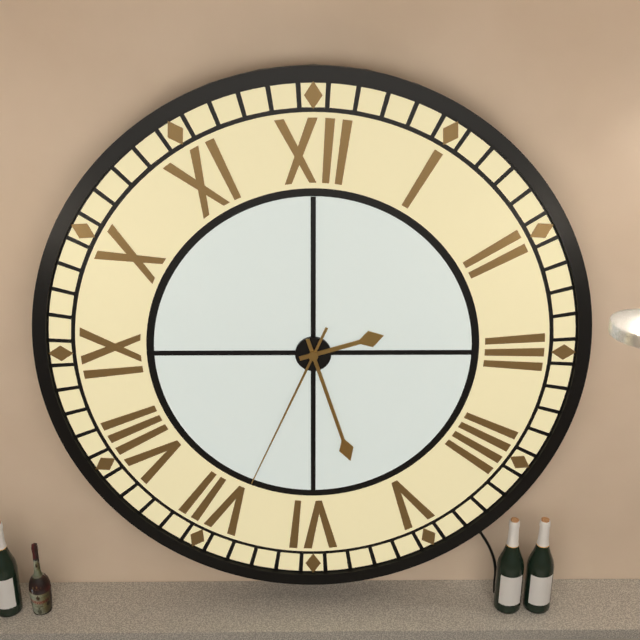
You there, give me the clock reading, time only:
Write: 2:27:34
